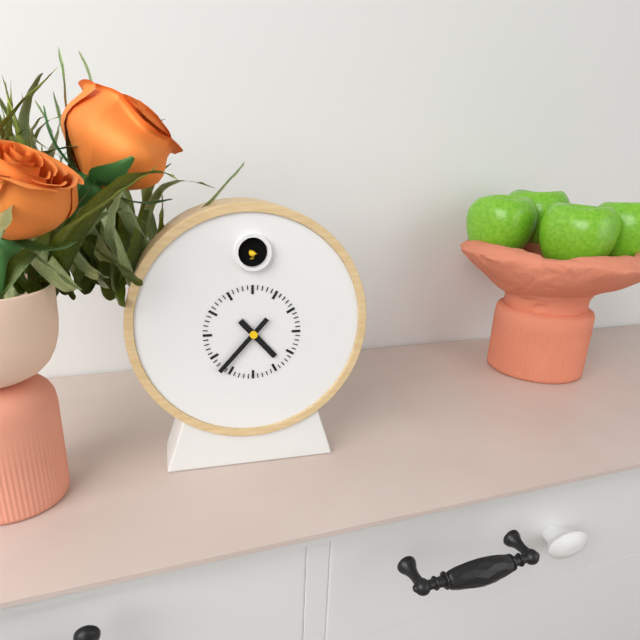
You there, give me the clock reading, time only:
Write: 4:37
